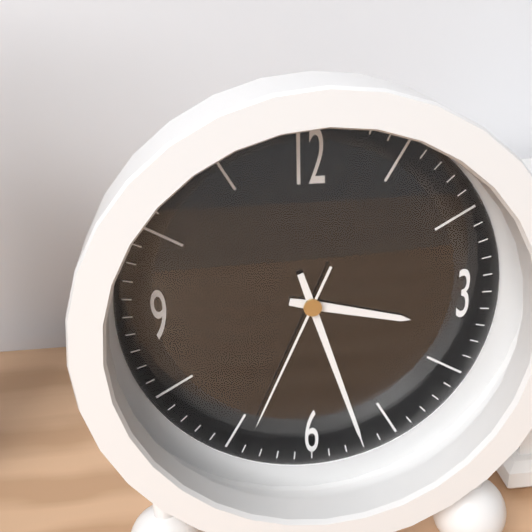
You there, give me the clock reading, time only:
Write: 3:27:34
